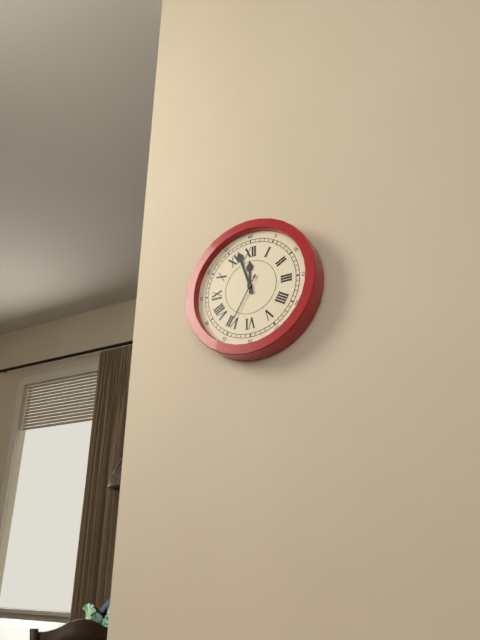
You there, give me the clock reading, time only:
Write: 11:57
